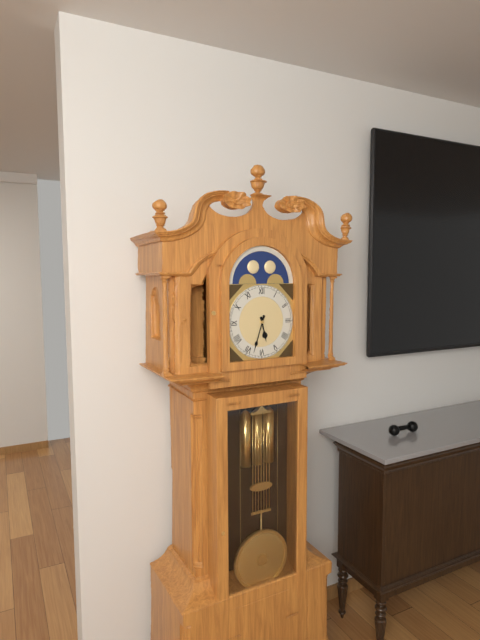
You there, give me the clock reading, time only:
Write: 5:33
